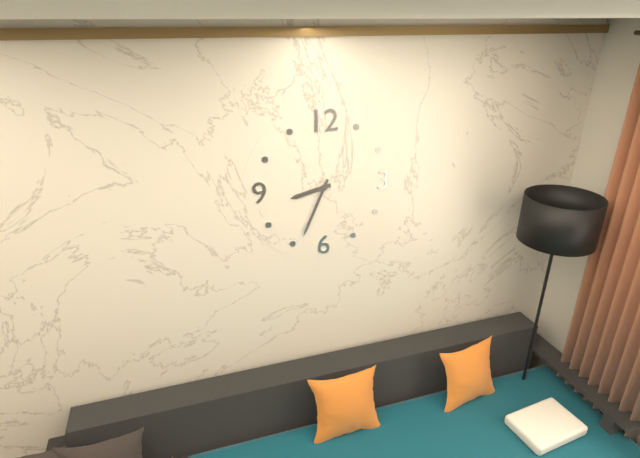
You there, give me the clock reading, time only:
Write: 8:34
